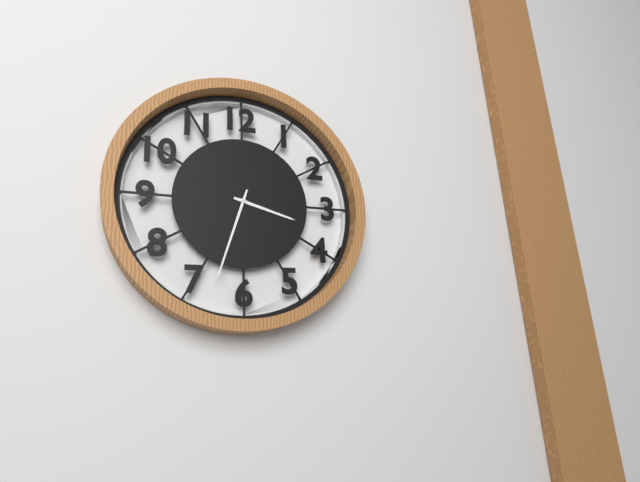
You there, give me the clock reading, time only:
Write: 3:33
